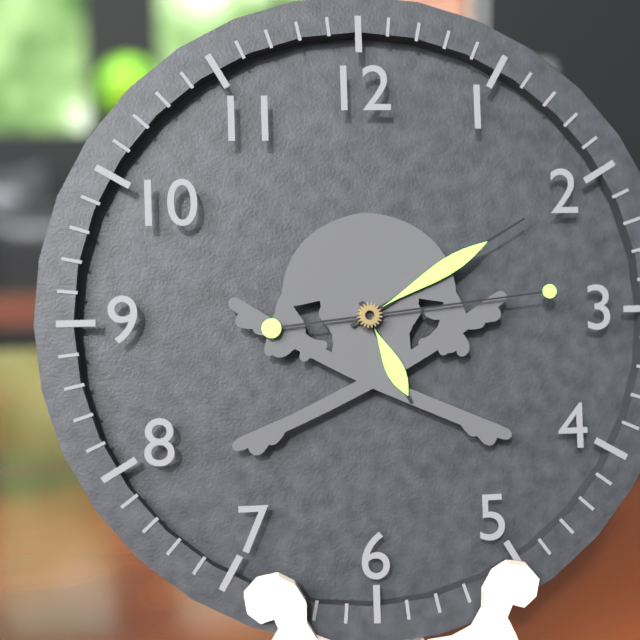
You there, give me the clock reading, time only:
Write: 5:10:14
